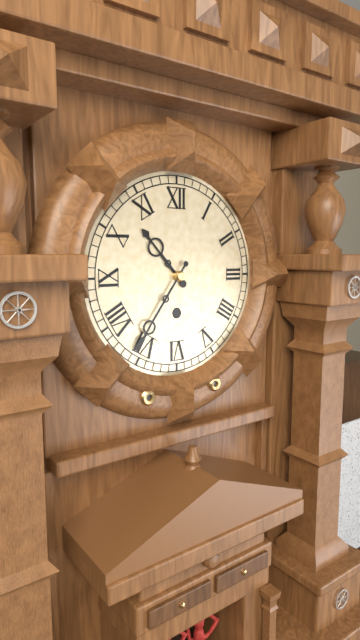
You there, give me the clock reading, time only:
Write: 10:36
